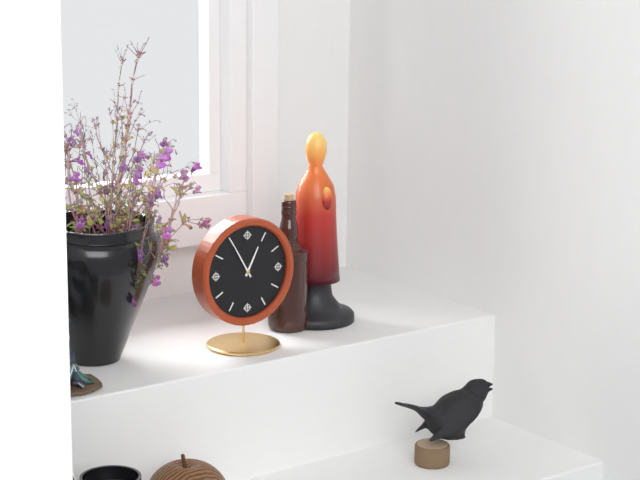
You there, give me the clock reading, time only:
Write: 12:55
